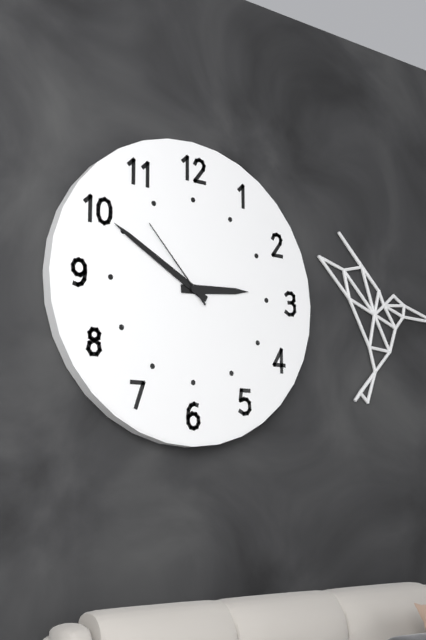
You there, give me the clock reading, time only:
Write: 2:50:53
